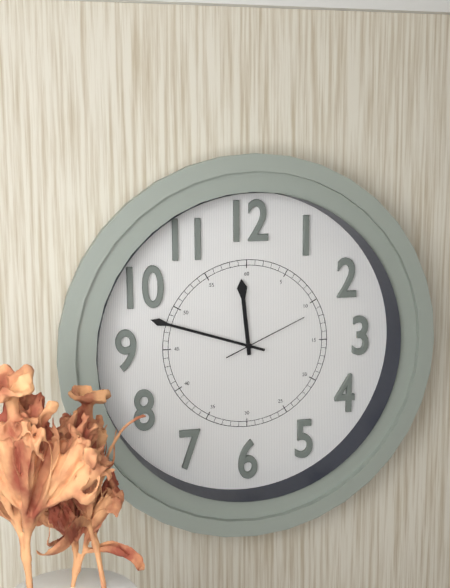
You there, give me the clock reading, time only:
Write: 11:48:11
